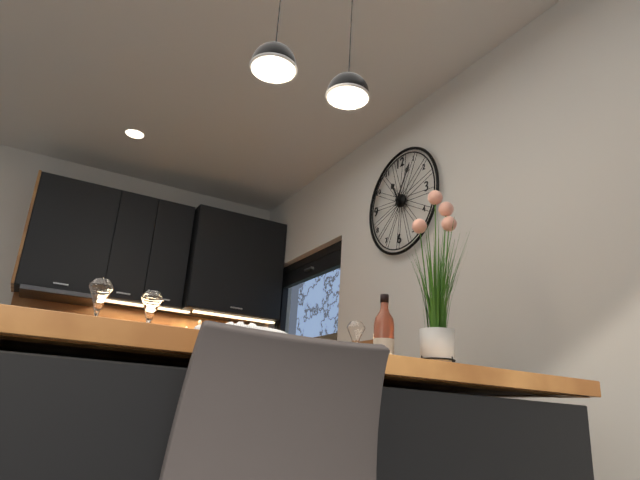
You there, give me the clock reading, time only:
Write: 11:05
